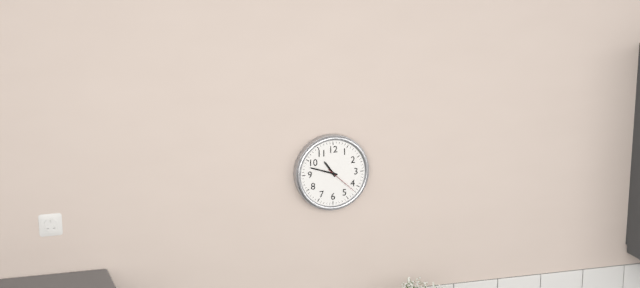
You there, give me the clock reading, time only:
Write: 10:48
